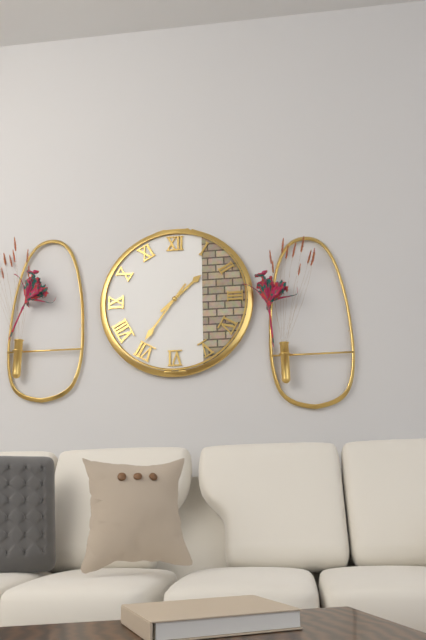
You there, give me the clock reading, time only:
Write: 1:36
